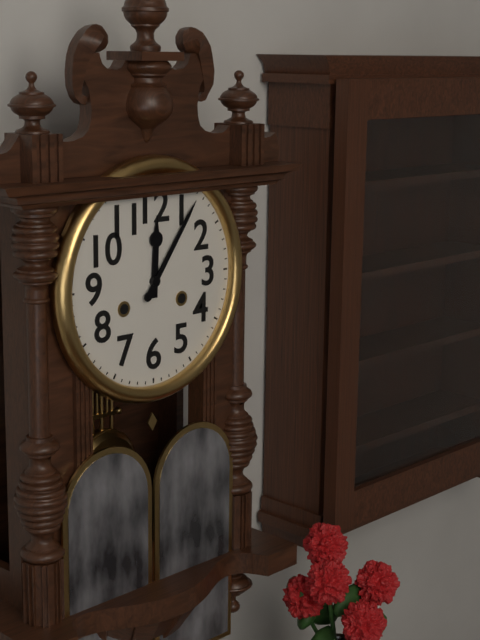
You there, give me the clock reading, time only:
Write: 12:06
